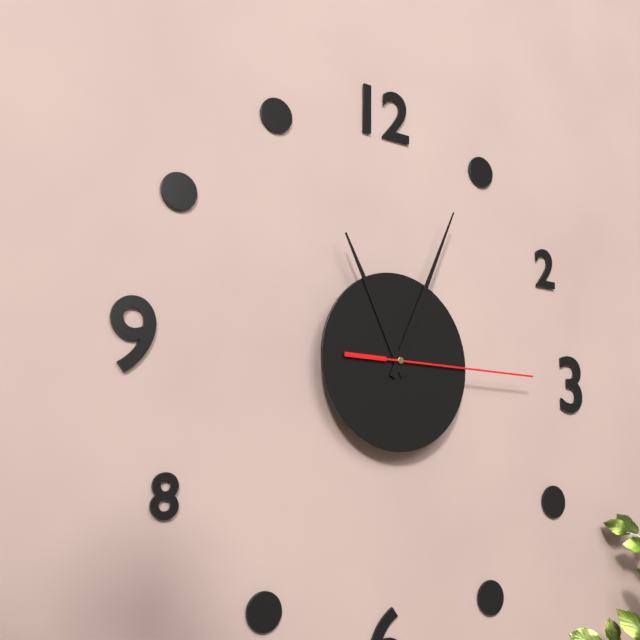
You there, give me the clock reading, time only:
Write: 11:04:15
